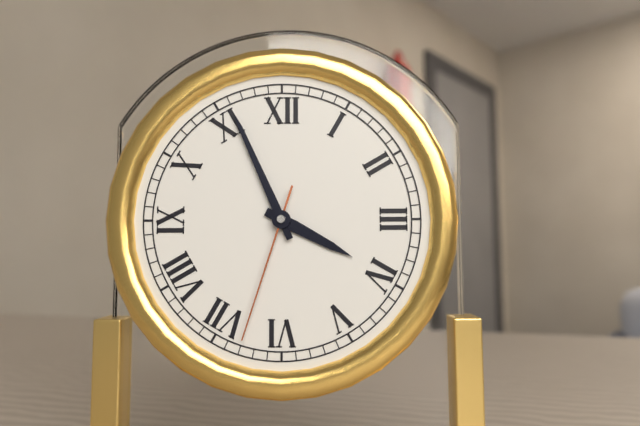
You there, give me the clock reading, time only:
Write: 3:56:33
